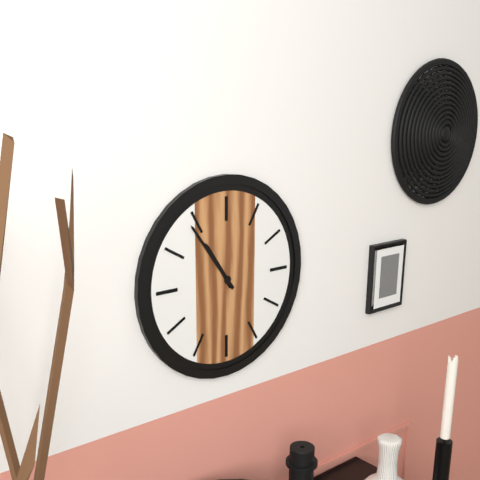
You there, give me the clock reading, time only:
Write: 10:54
